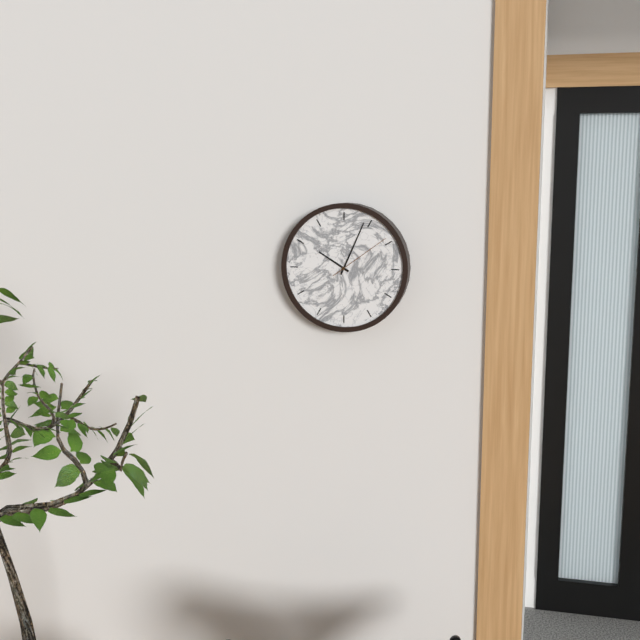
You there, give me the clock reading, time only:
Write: 10:04:09
